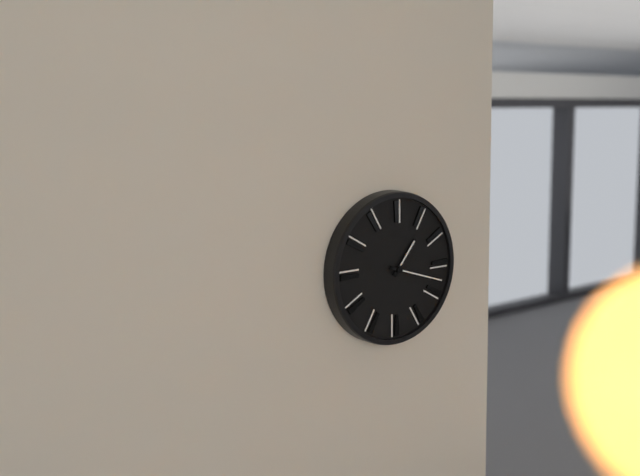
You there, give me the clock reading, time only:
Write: 1:18
